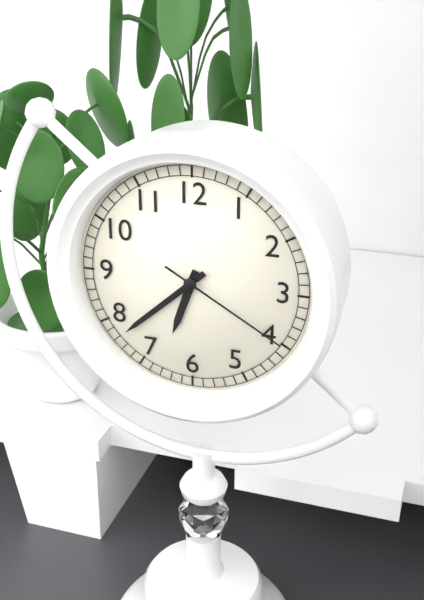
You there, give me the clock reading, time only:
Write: 6:38:20
